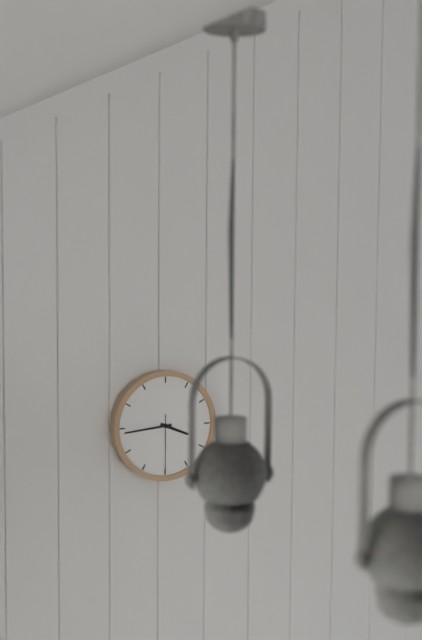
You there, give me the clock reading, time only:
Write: 3:44:30
